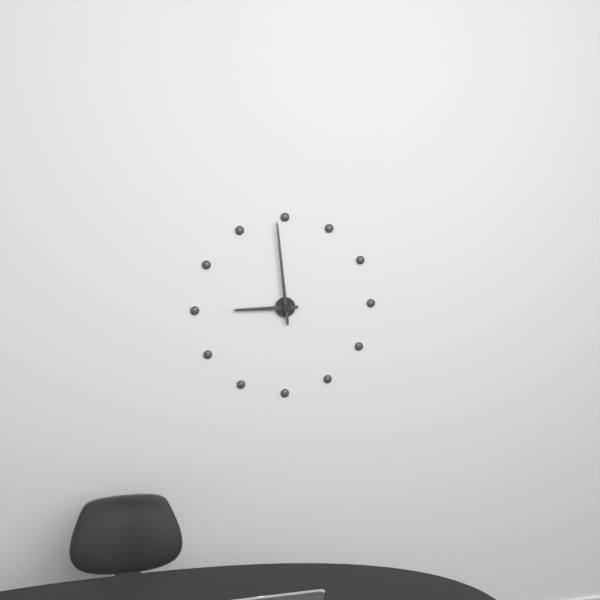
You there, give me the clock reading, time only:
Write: 8:59
